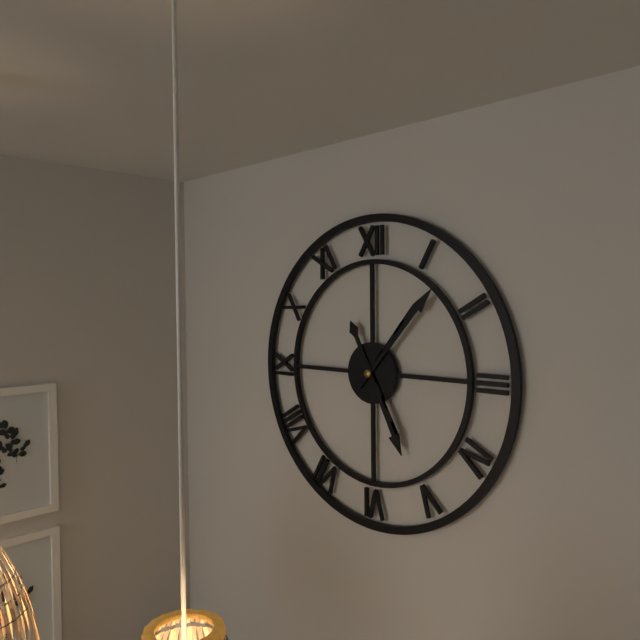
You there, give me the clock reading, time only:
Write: 5:07
